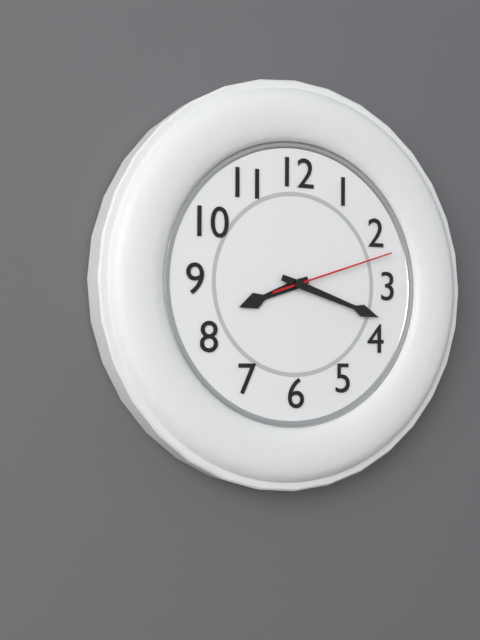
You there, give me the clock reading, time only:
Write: 8:18:12
